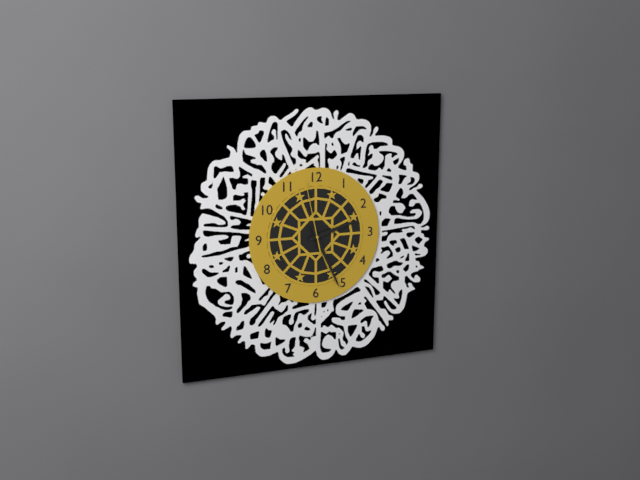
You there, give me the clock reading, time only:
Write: 2:26:58
